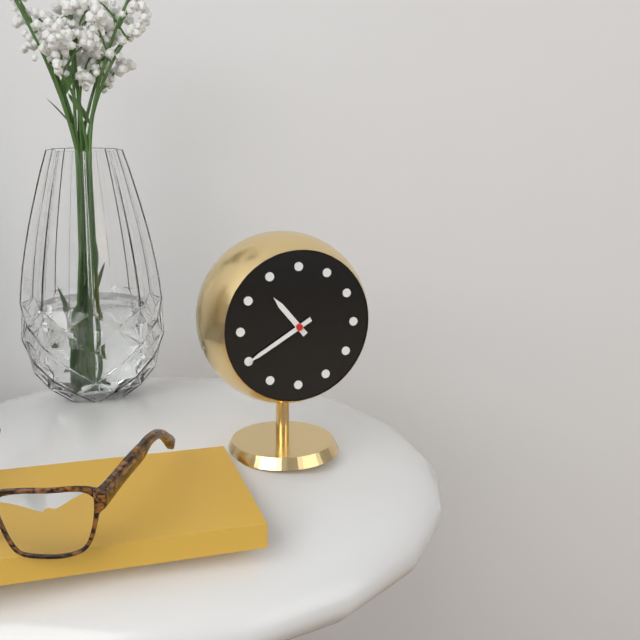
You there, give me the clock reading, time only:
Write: 10:40
